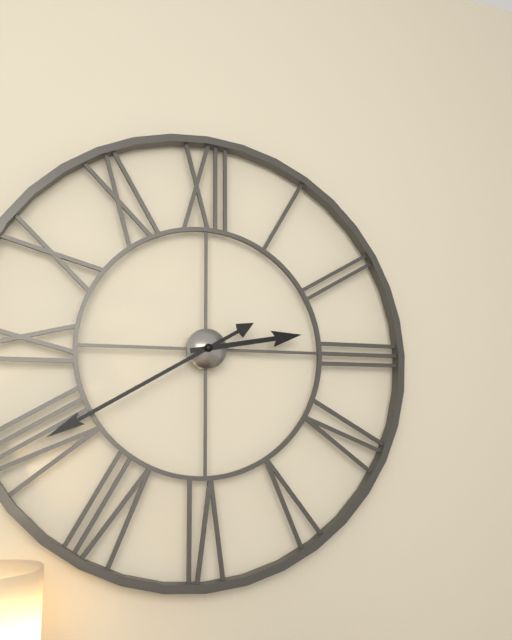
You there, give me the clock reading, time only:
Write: 2:40
